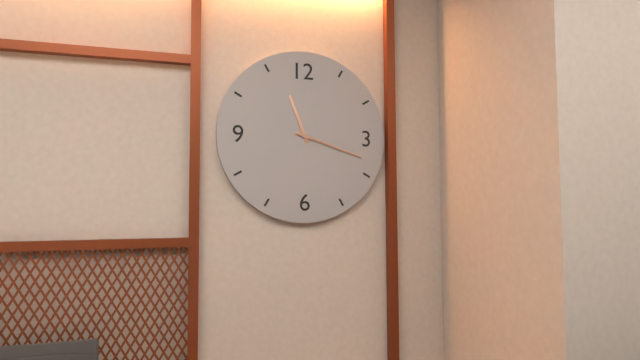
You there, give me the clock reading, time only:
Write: 11:18
